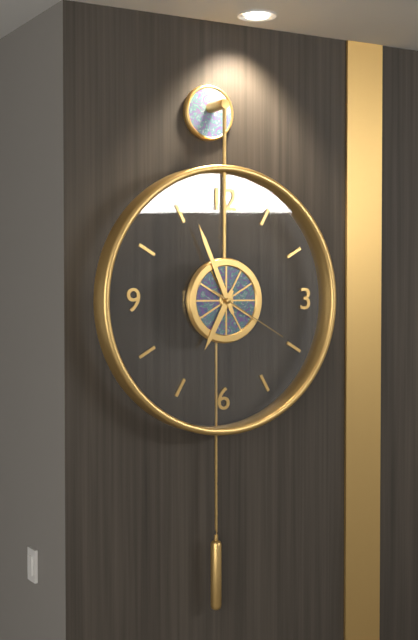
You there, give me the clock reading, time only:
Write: 6:56:20
